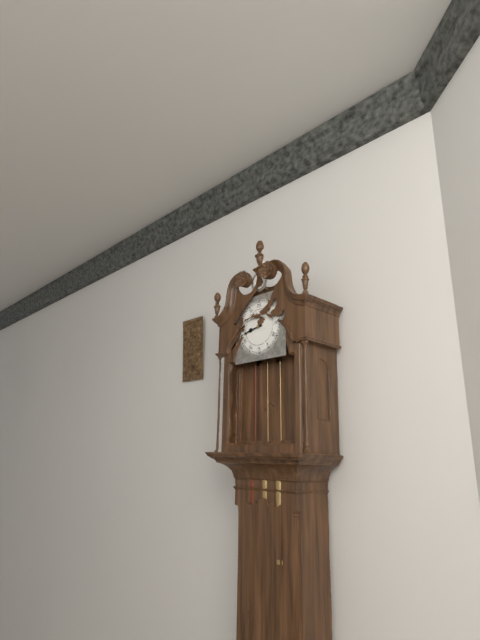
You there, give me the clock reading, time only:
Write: 8:43
